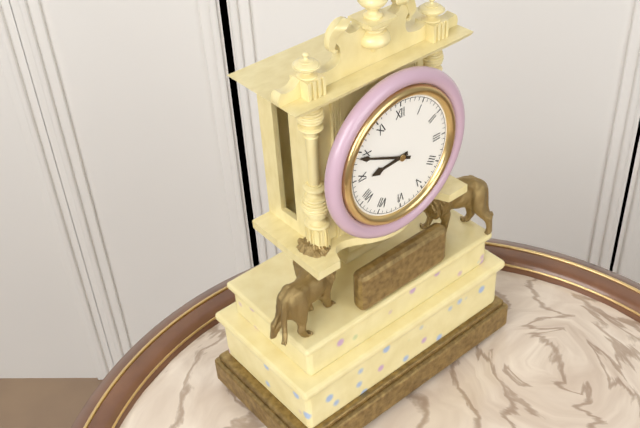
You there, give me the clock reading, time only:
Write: 8:49
